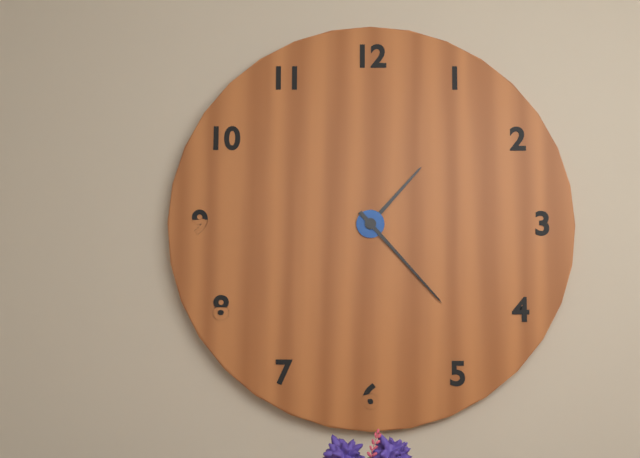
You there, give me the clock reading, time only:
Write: 1:23
